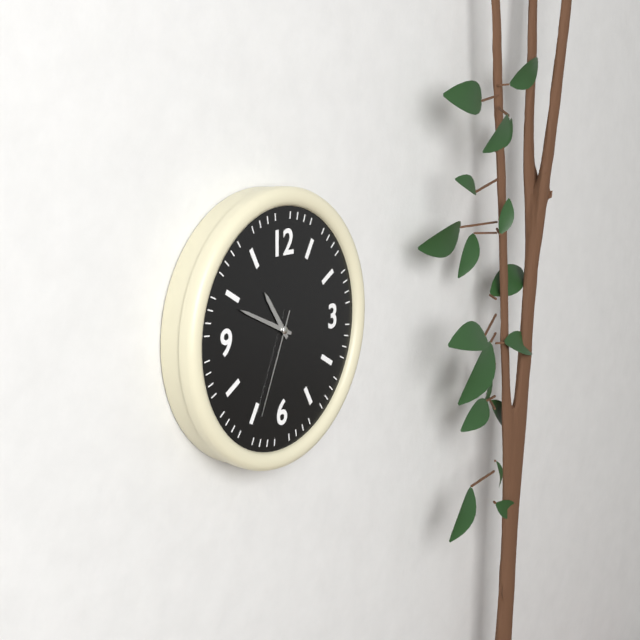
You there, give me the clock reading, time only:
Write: 10:49:34
